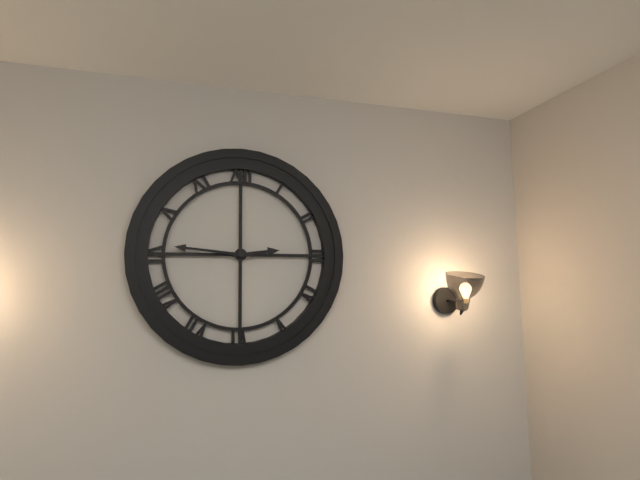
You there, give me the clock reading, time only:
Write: 2:46
